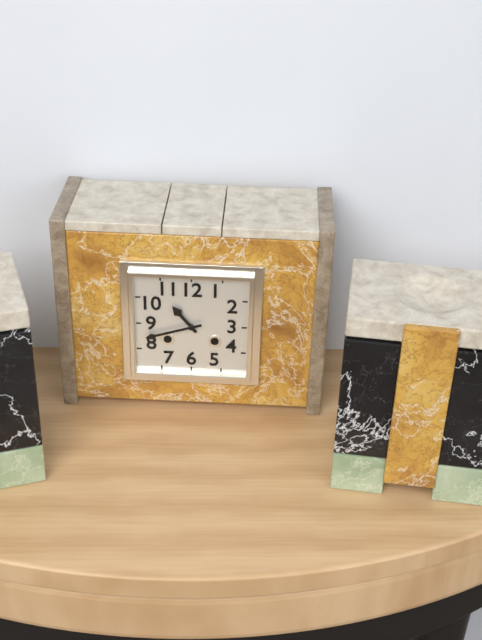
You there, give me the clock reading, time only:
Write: 10:42
